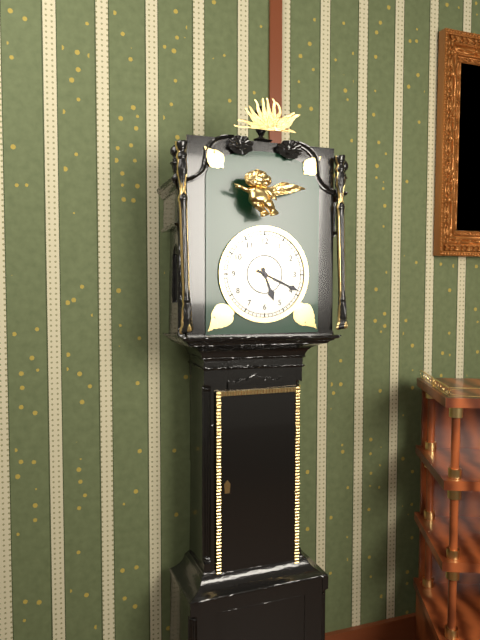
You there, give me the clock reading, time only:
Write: 5:19
